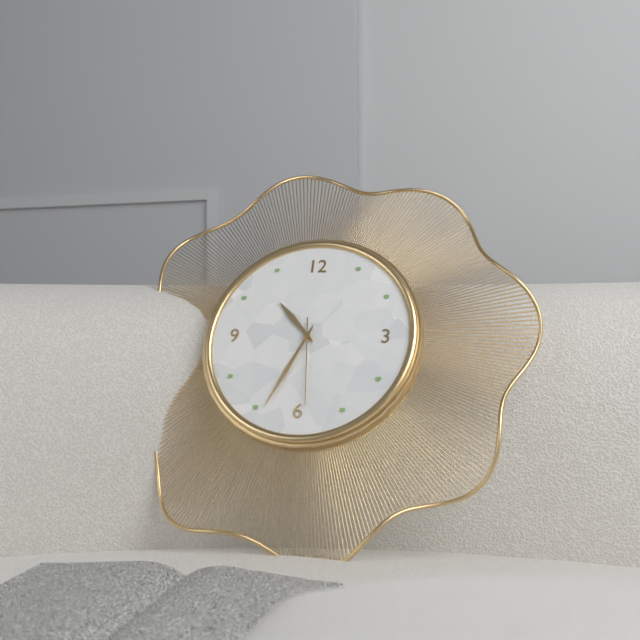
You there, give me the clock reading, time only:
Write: 10:34:29
